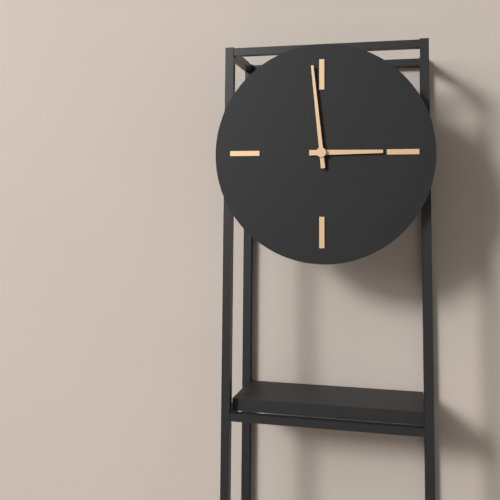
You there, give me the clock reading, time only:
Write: 2:59
